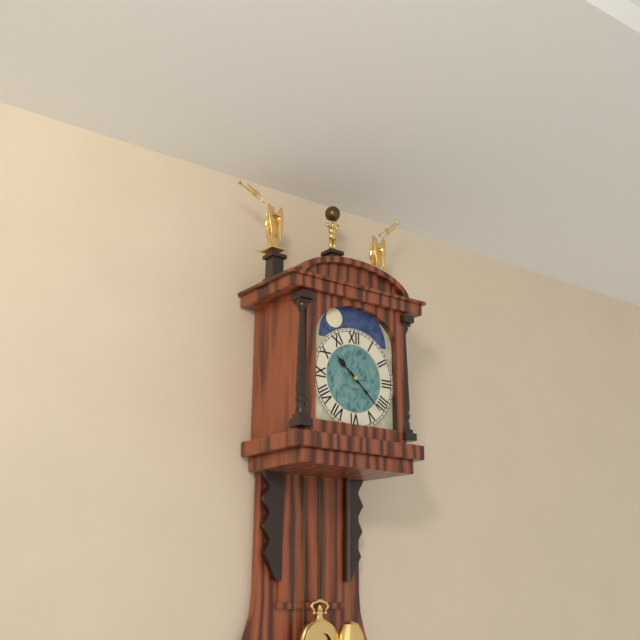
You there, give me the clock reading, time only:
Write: 10:22
